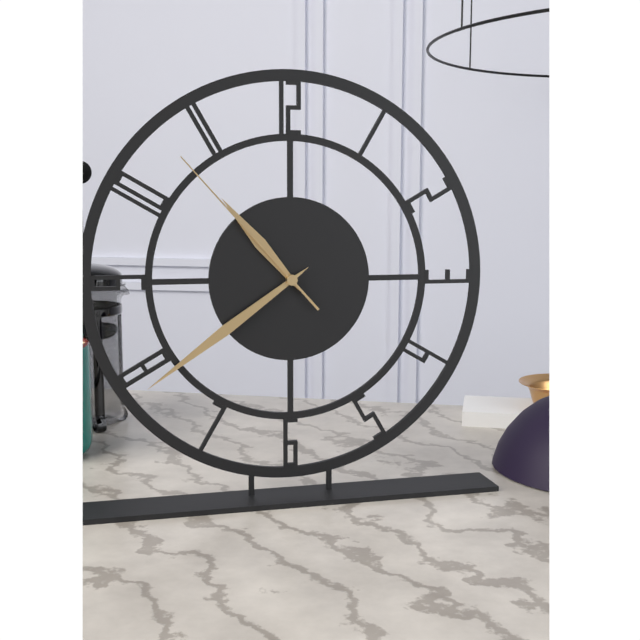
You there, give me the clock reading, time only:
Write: 10:39:53
